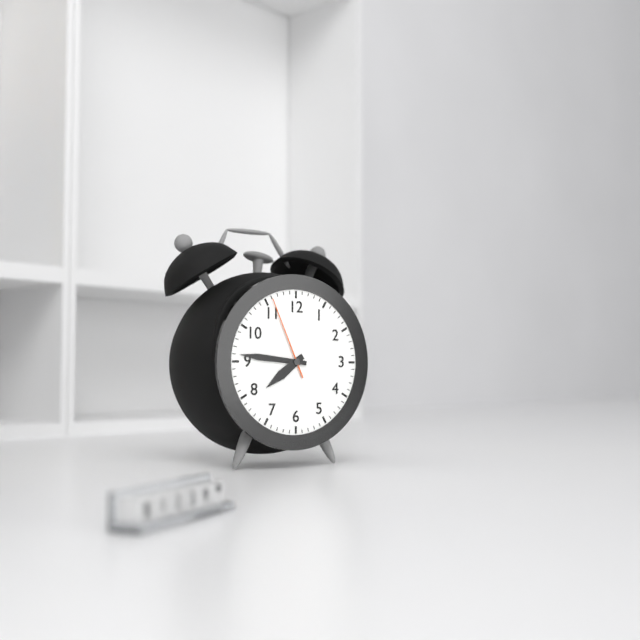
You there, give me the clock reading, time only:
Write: 7:46:56
